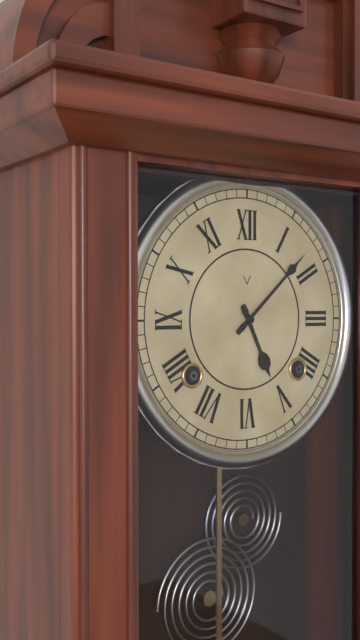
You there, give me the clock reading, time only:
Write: 5:08
